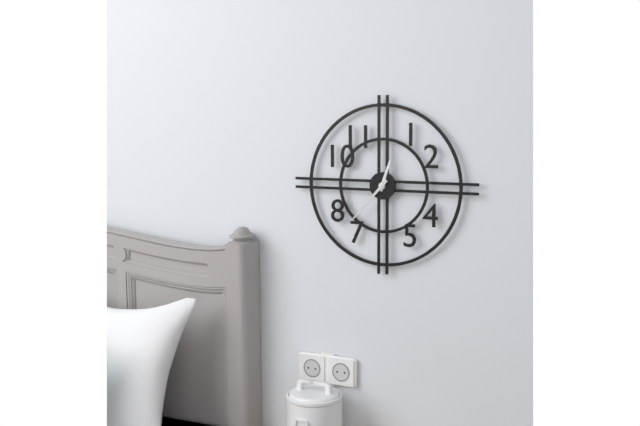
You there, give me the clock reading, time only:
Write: 12:37
